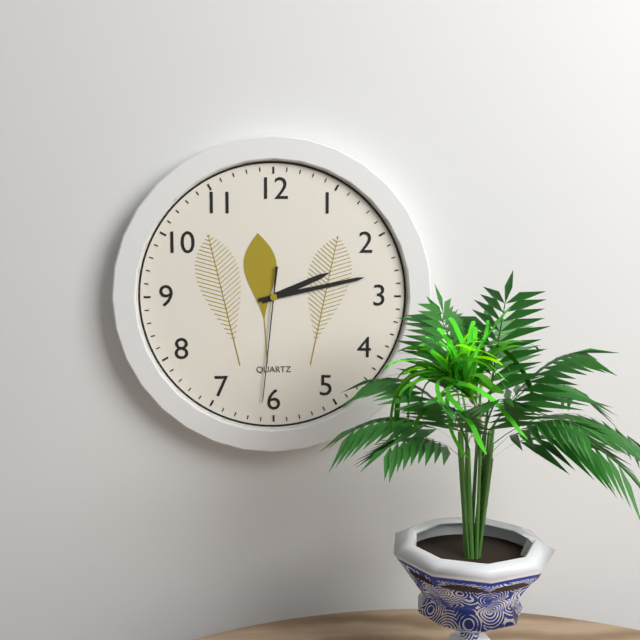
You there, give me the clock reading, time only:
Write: 2:13:31
